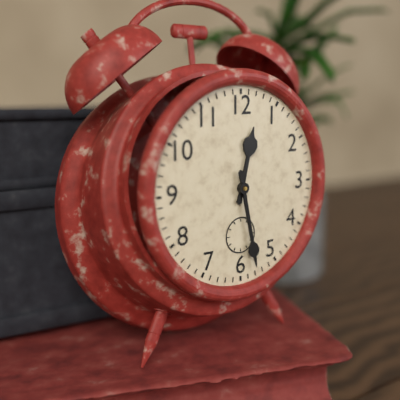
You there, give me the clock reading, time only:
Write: 12:28
